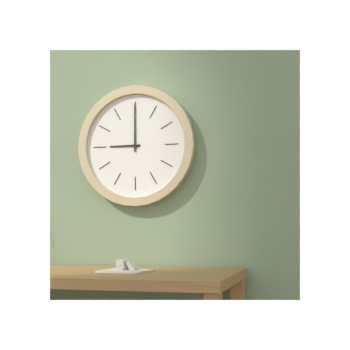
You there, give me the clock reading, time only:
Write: 9:00
